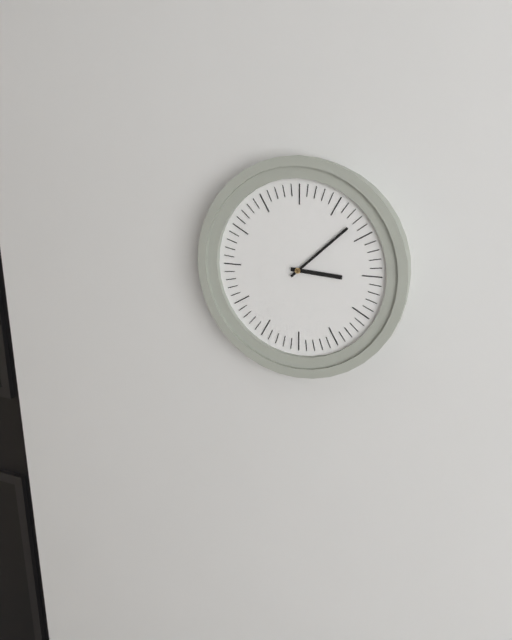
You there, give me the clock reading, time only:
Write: 3:08
